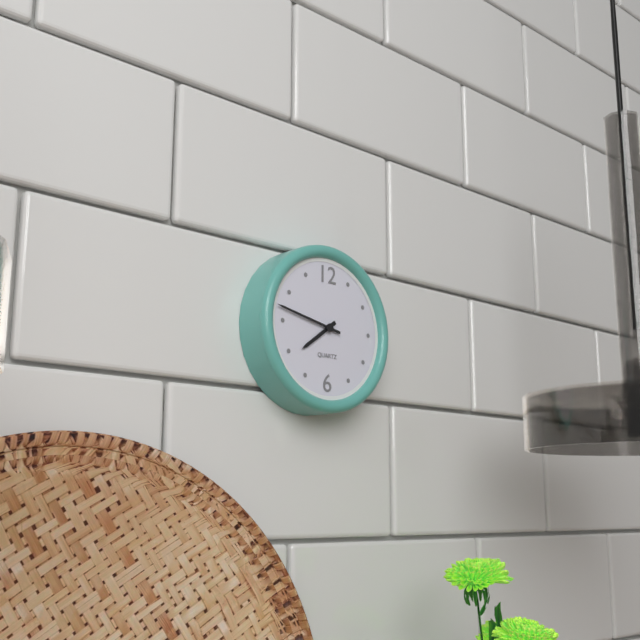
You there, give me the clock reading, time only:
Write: 7:47
